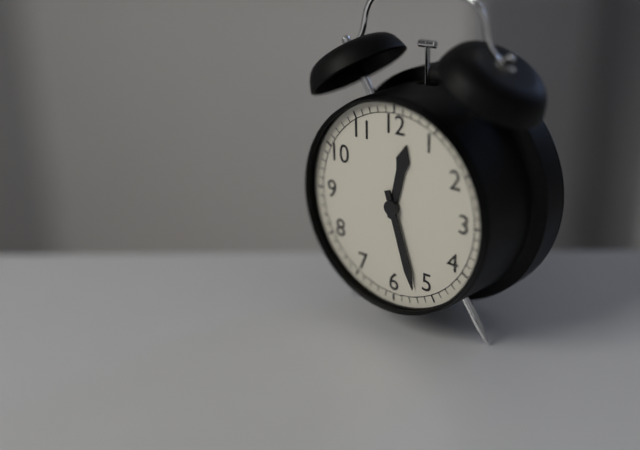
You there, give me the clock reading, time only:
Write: 12:27
